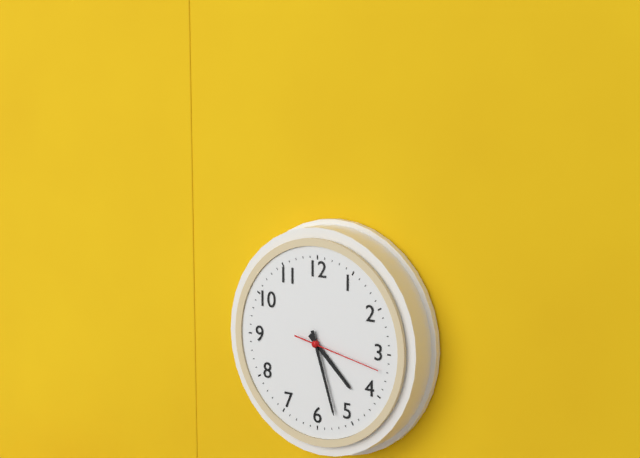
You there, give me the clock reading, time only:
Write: 4:27:17
